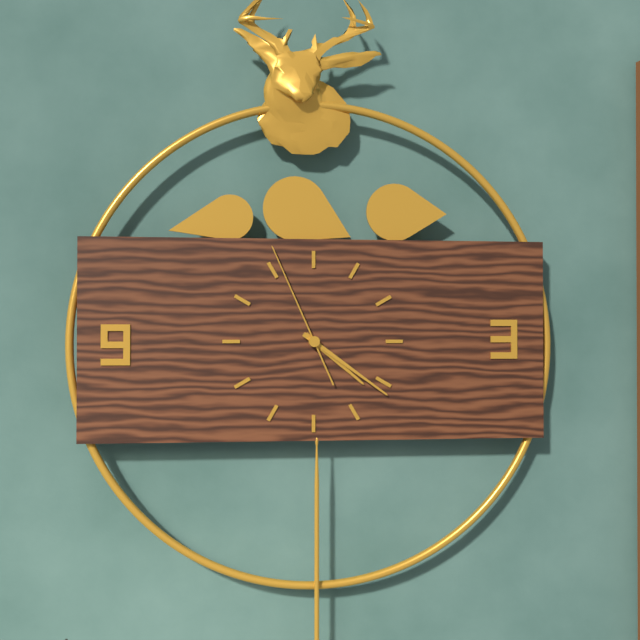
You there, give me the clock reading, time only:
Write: 4:21:56
